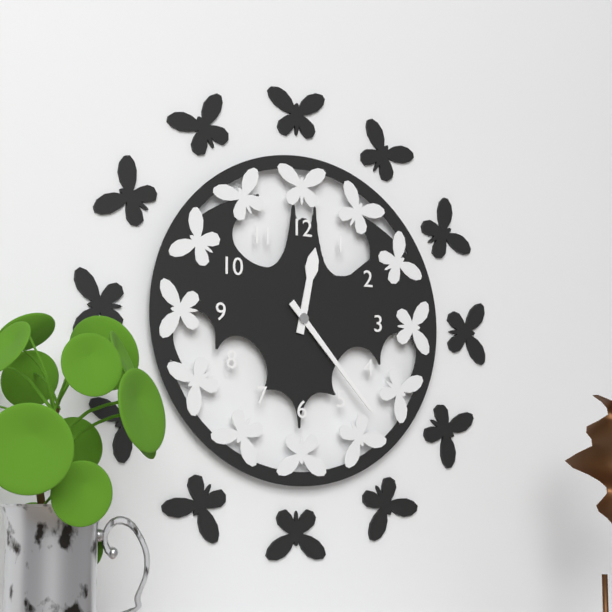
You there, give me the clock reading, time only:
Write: 12:23
